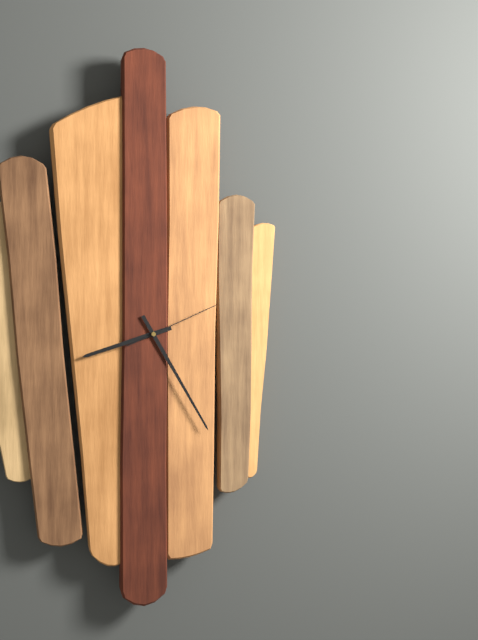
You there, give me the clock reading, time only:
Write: 8:25:11
